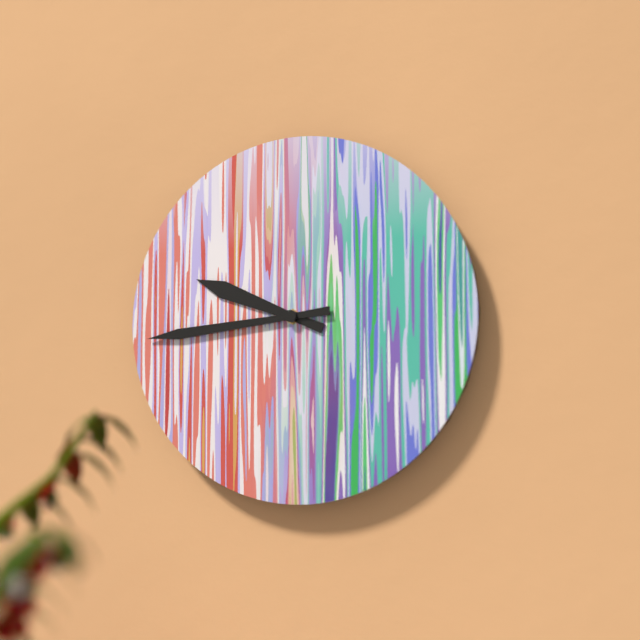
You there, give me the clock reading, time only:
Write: 9:44
